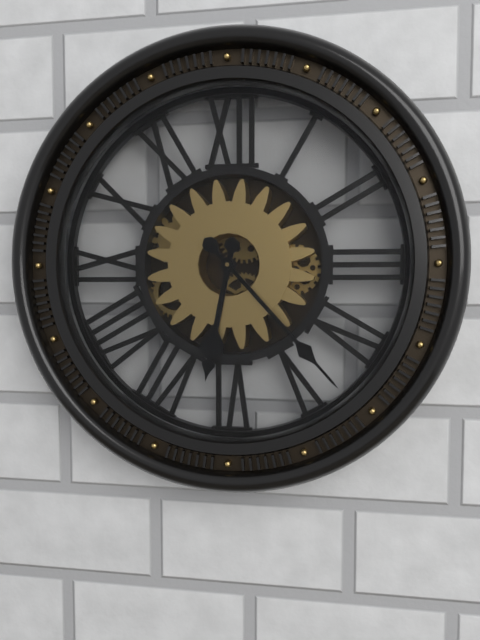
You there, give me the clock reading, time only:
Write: 6:23
